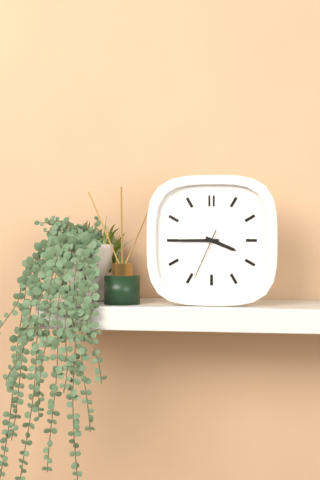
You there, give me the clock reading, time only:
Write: 3:45:34
